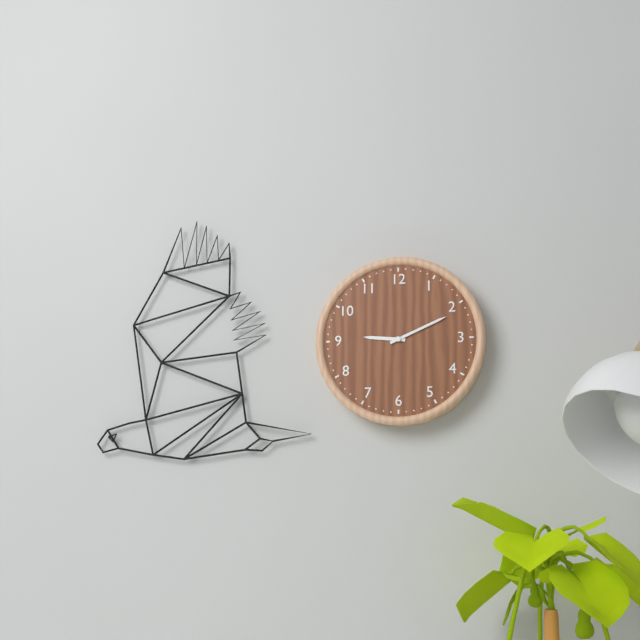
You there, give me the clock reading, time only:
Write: 9:11
